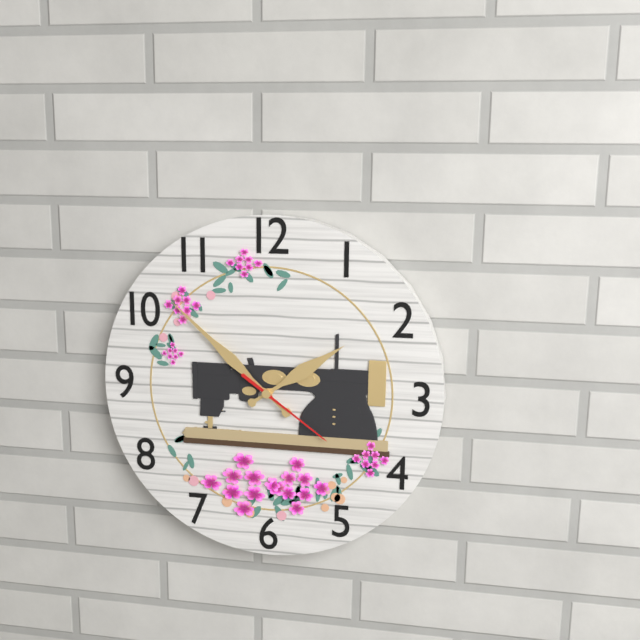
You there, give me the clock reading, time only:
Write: 1:52:21
